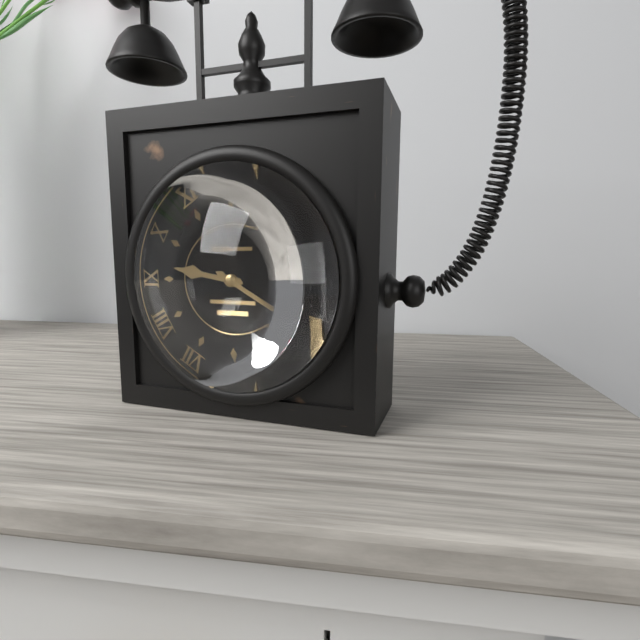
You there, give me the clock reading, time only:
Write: 9:20
